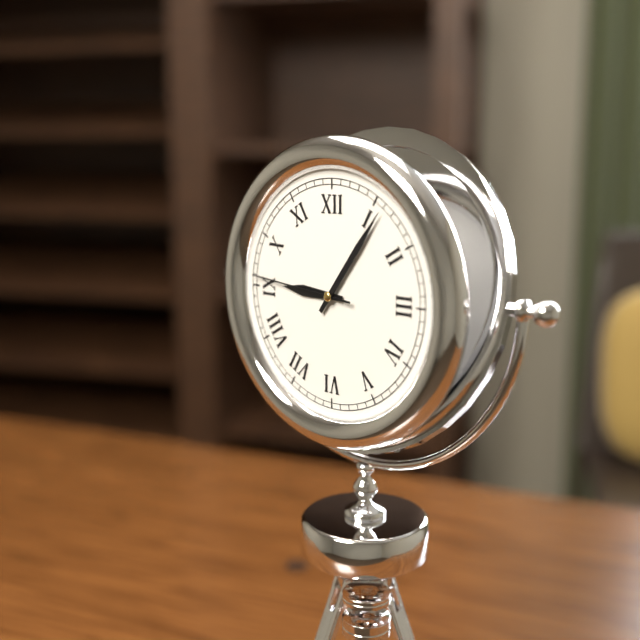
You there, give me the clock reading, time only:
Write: 9:06:46
